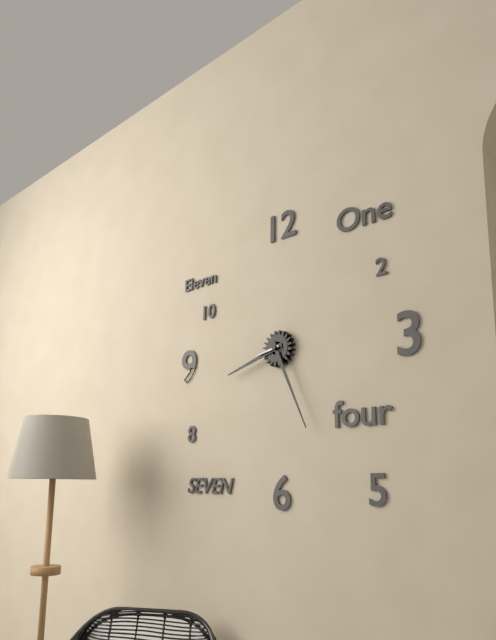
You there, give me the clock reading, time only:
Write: 8:26
